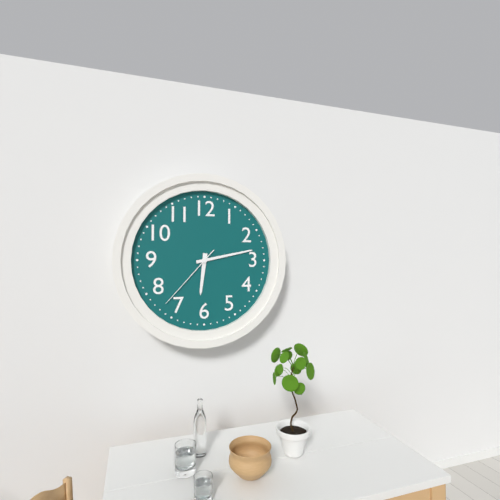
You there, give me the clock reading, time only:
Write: 6:13:37
